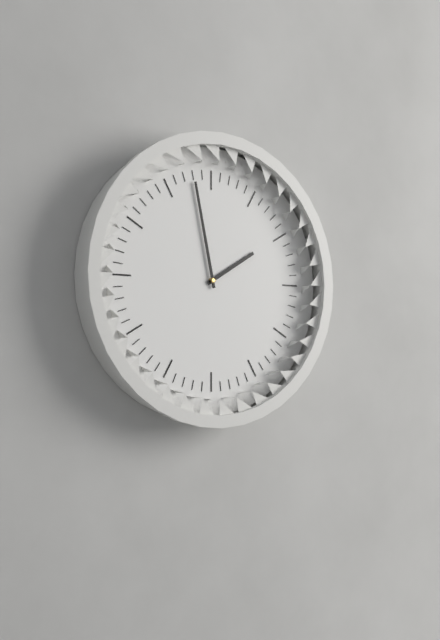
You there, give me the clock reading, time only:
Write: 1:58
